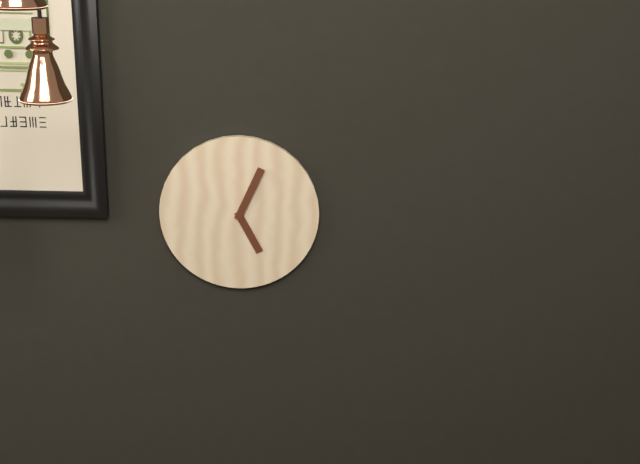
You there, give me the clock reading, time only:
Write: 5:04
